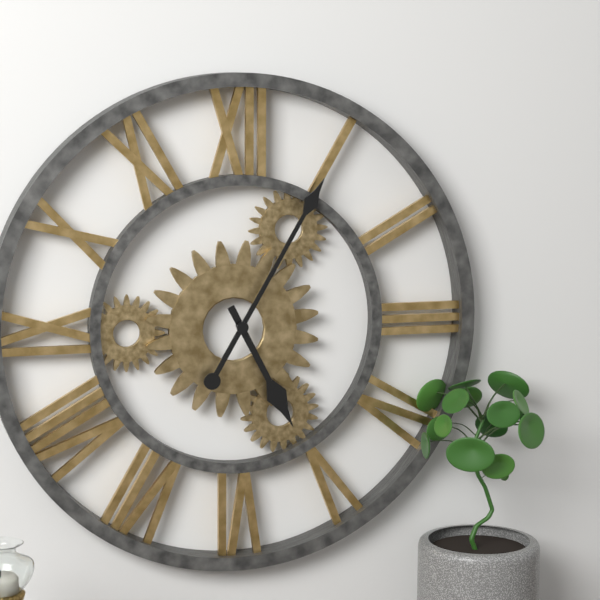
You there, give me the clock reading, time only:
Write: 5:05
